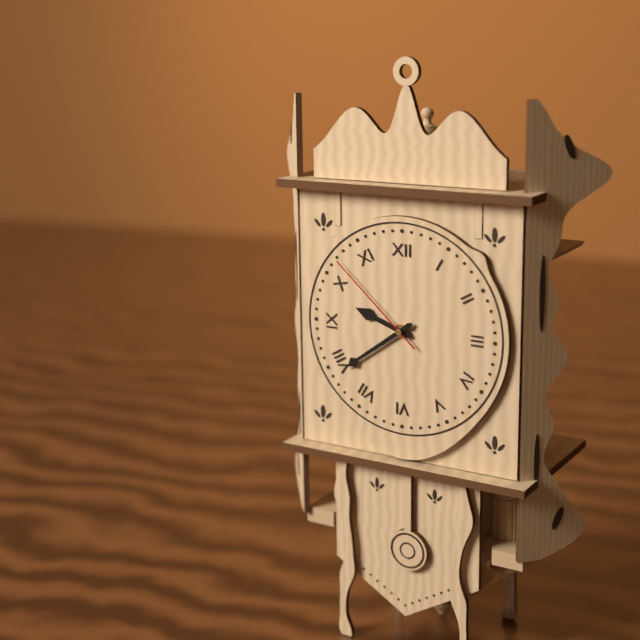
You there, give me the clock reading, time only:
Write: 9:39:52
